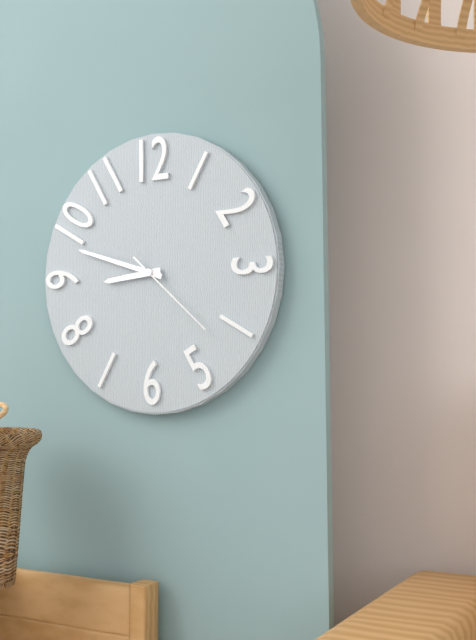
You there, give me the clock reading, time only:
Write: 8:48:22
